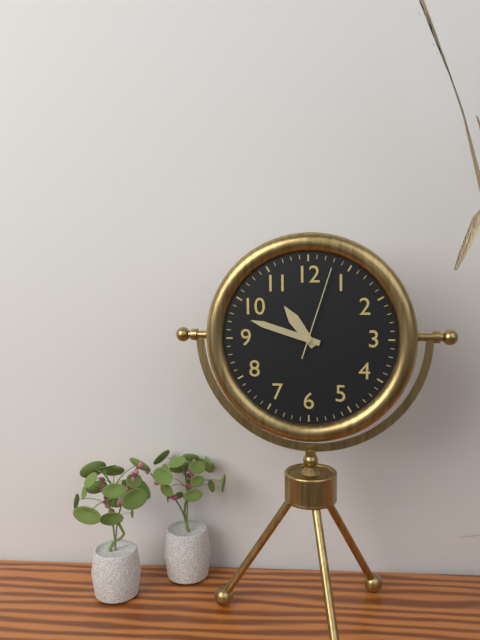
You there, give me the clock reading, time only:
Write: 10:48:03
